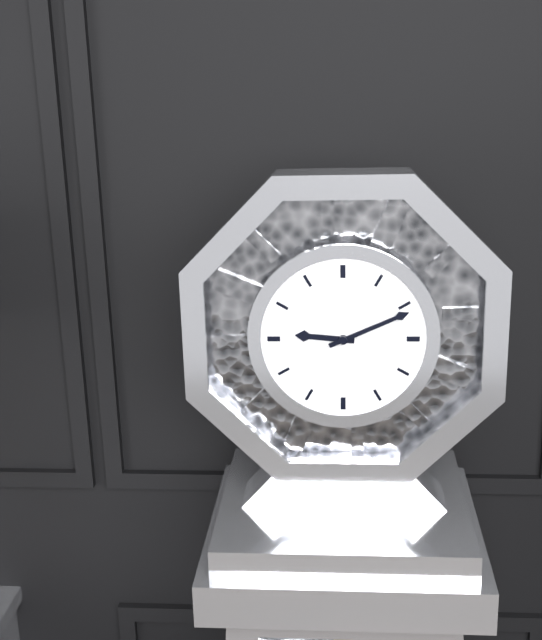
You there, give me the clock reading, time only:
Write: 9:11
